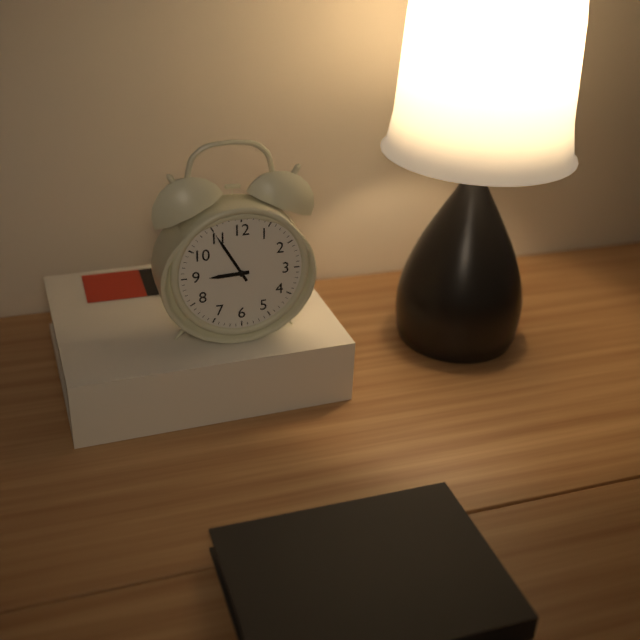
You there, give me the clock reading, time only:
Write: 8:55
